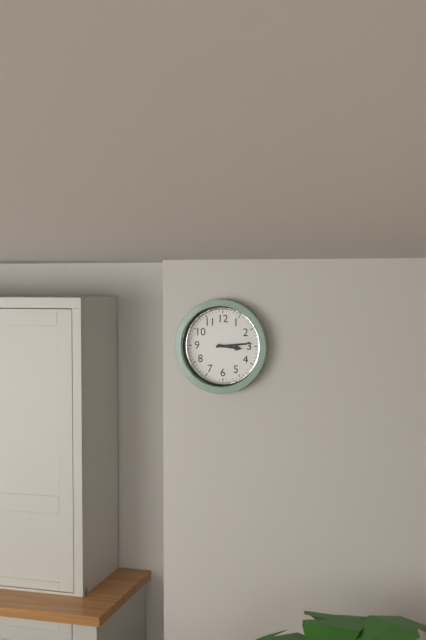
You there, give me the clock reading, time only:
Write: 3:14
